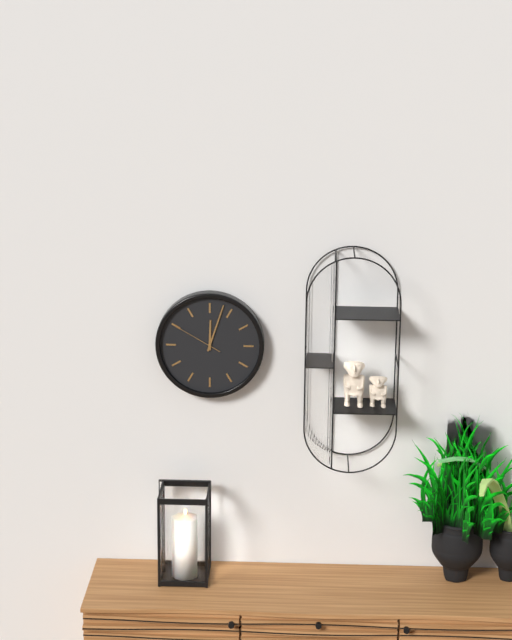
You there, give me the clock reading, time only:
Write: 12:03
